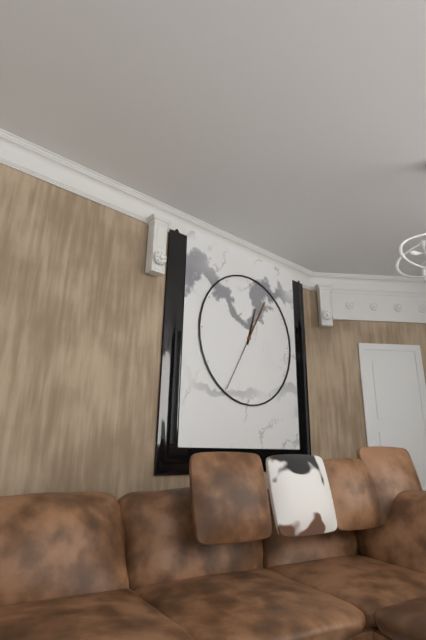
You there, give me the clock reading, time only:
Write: 12:35
